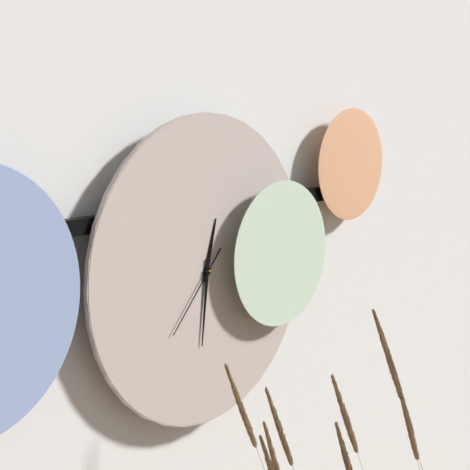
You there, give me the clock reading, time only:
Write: 12:31:37
